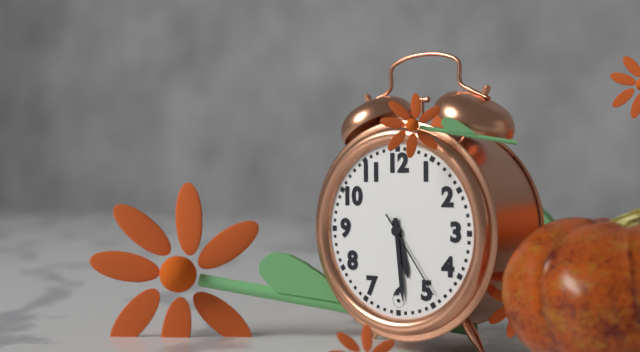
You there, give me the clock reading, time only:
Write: 5:29:24
